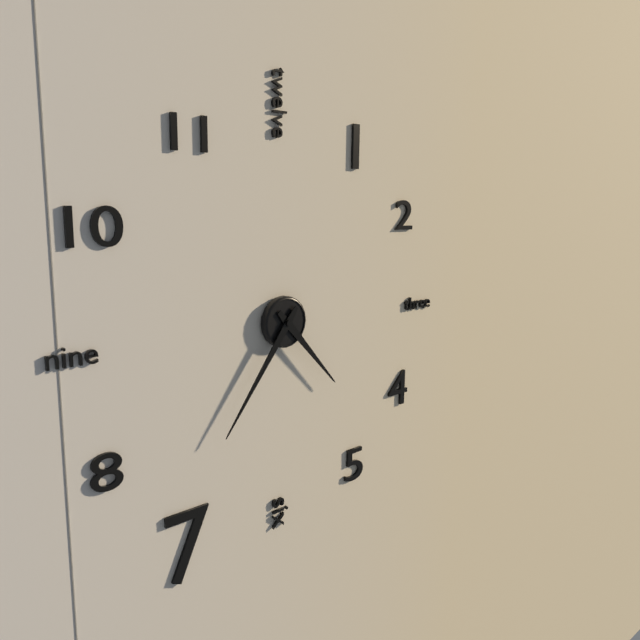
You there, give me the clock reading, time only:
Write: 4:36
